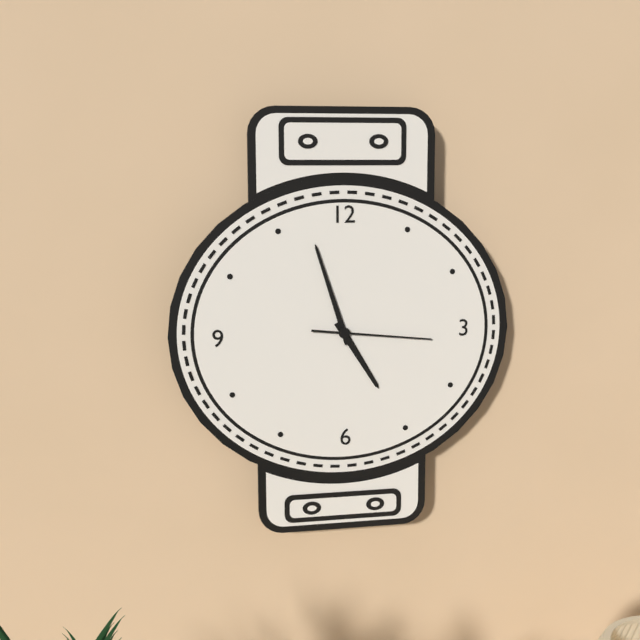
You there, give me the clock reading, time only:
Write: 4:57:16
